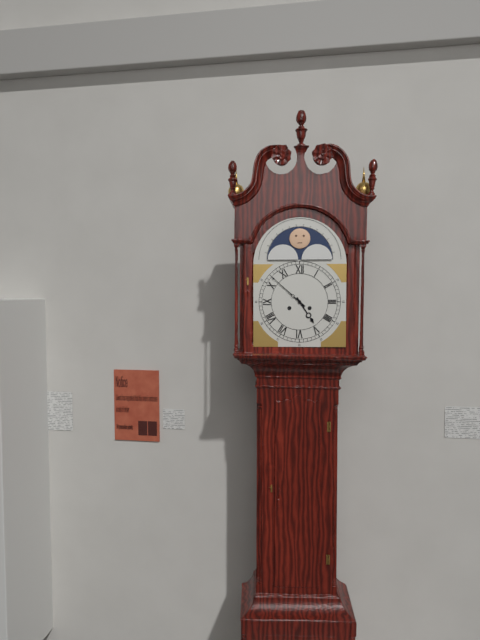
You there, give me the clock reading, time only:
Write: 4:52
